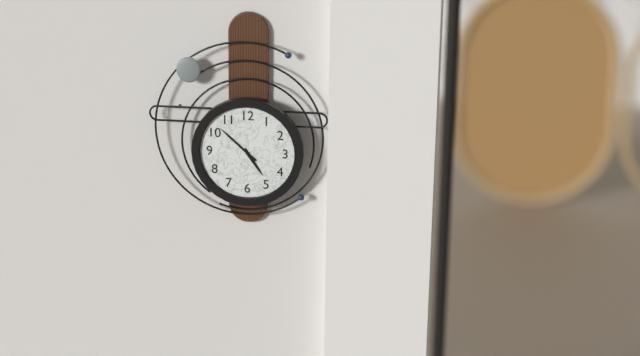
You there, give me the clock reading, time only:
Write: 4:52
